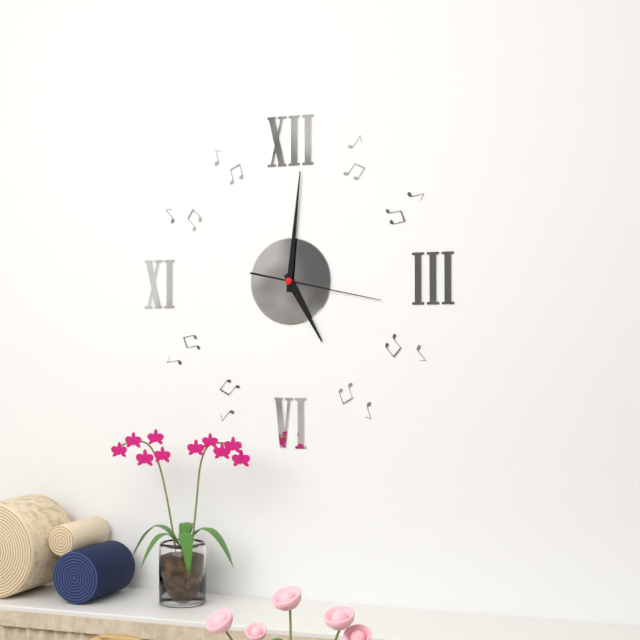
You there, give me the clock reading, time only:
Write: 5:01:17
